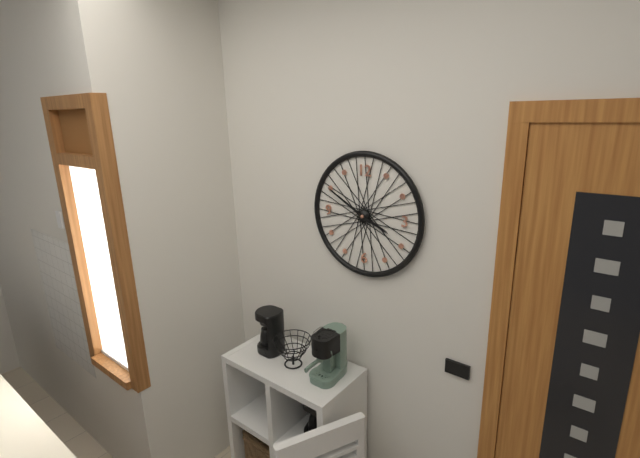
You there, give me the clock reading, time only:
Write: 3:50
